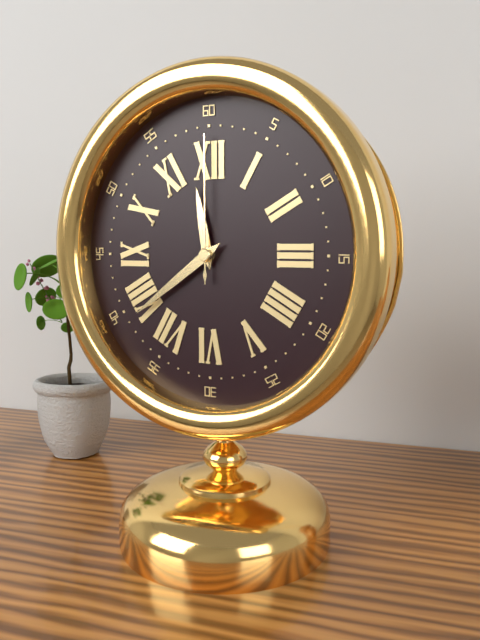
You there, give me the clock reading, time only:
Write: 11:39:00
